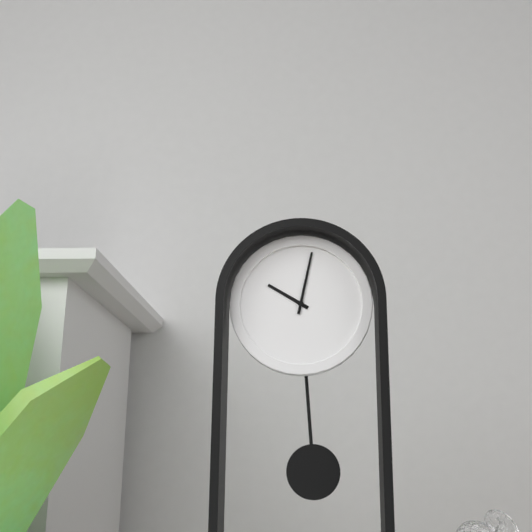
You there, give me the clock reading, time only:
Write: 10:02
